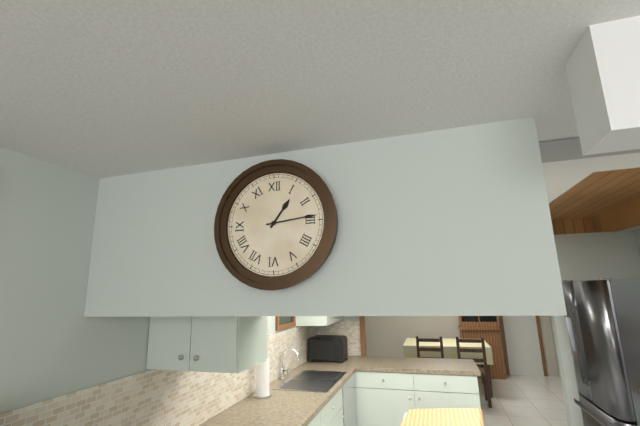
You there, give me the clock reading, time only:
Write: 1:14
